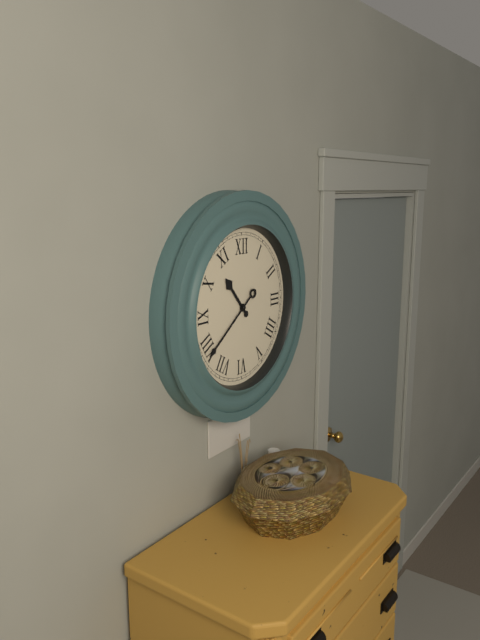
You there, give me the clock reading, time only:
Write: 10:39
